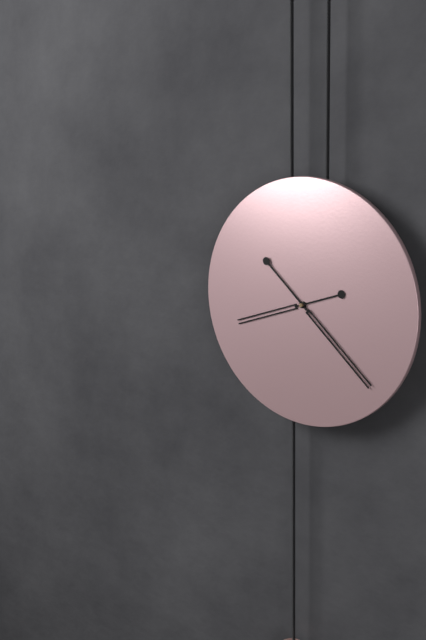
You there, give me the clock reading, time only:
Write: 8:22
